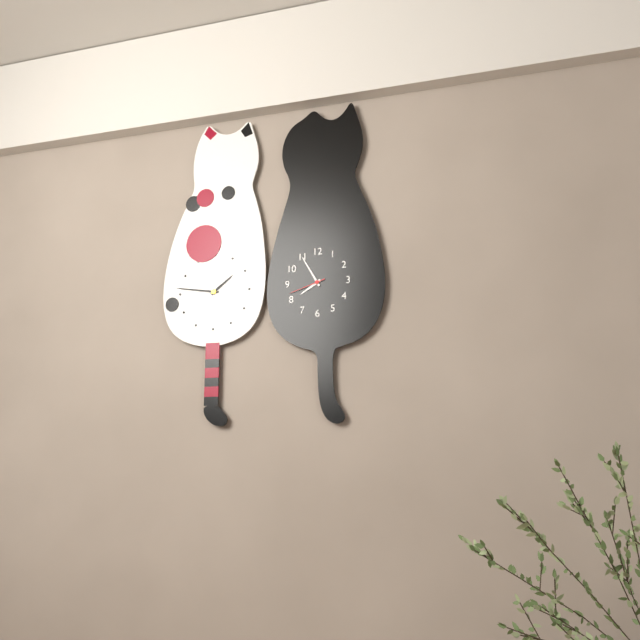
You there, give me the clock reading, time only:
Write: 7:55
